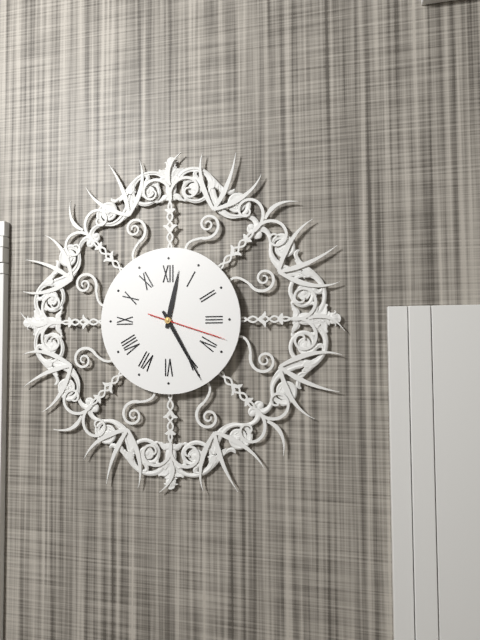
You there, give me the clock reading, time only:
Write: 12:25:18
